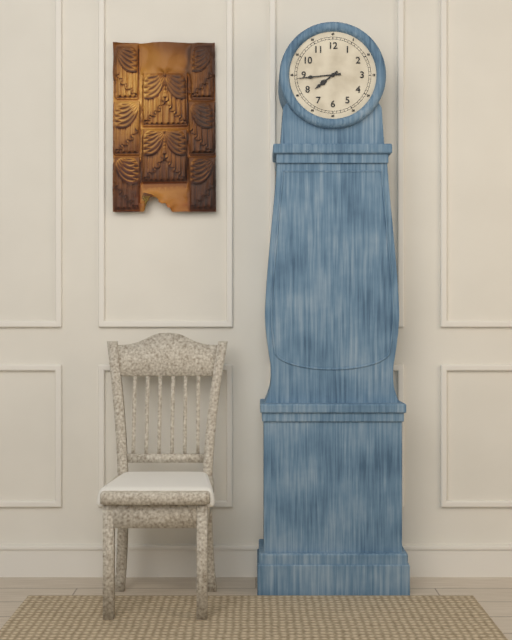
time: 7:44
